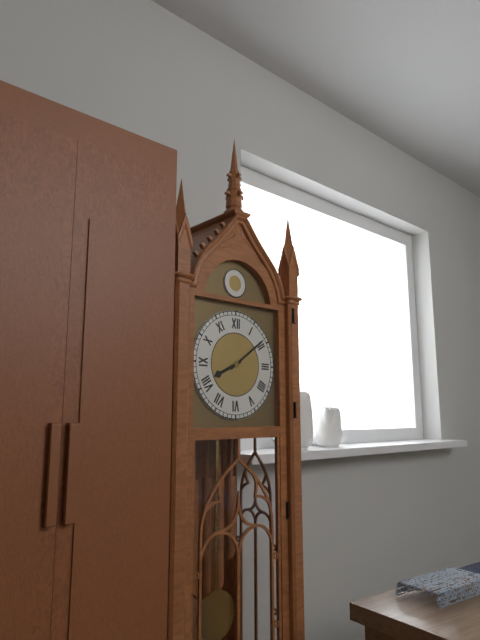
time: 8:09
